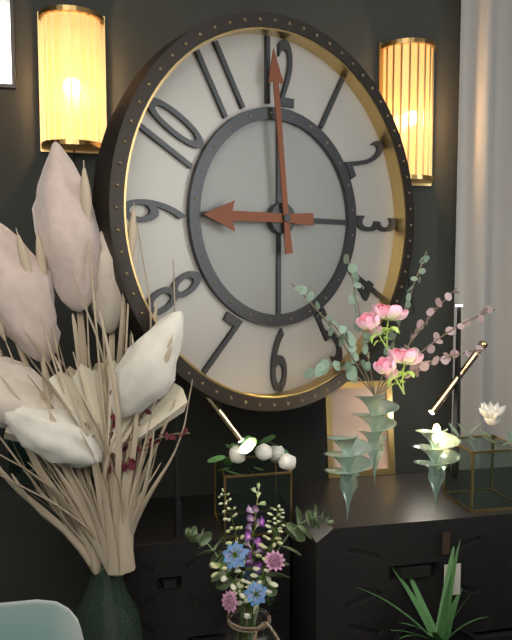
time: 8:59
